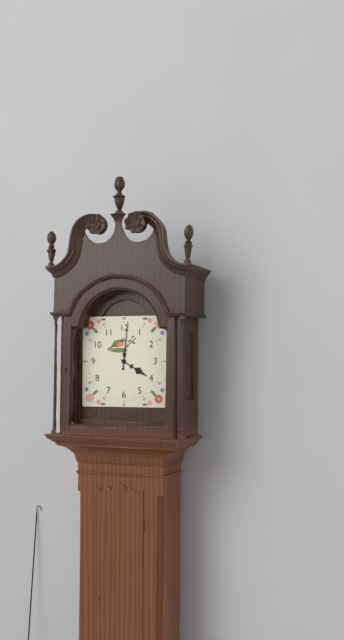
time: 4:01
